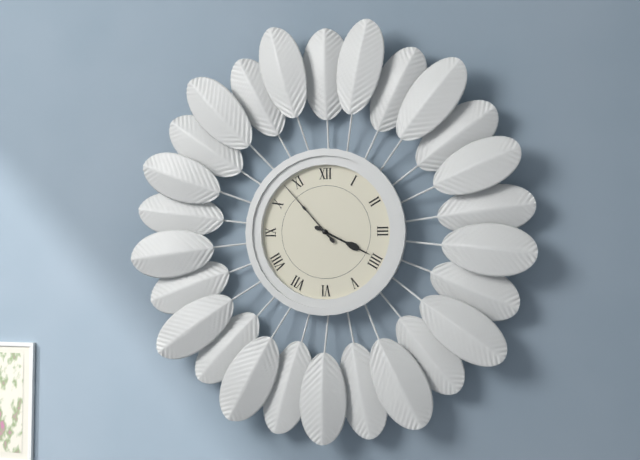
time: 3:53
